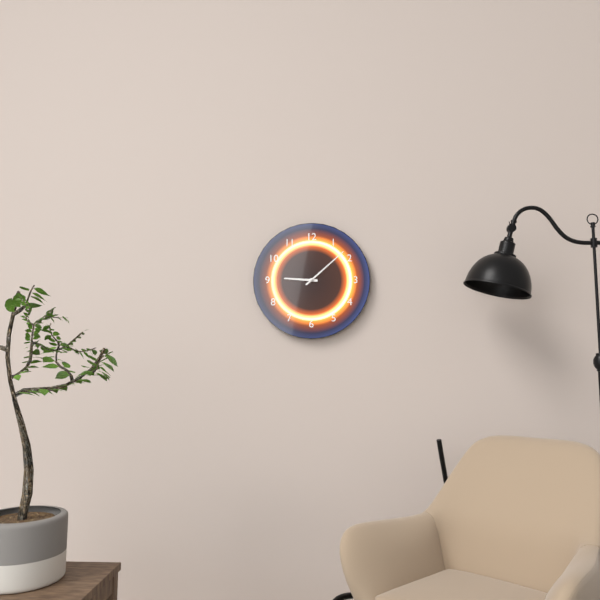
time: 9:08
